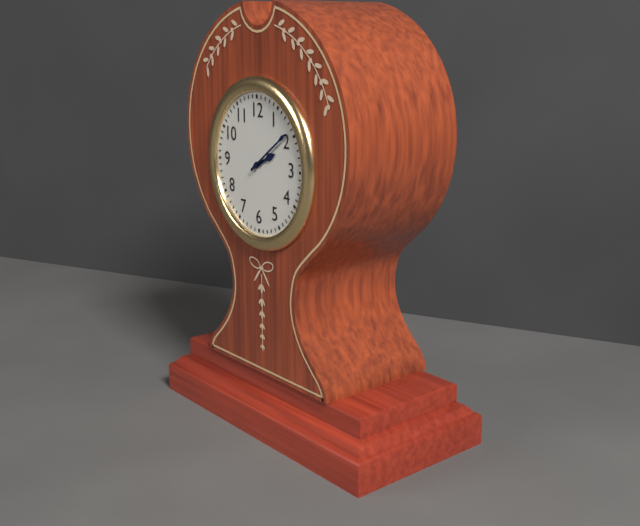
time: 2:09
